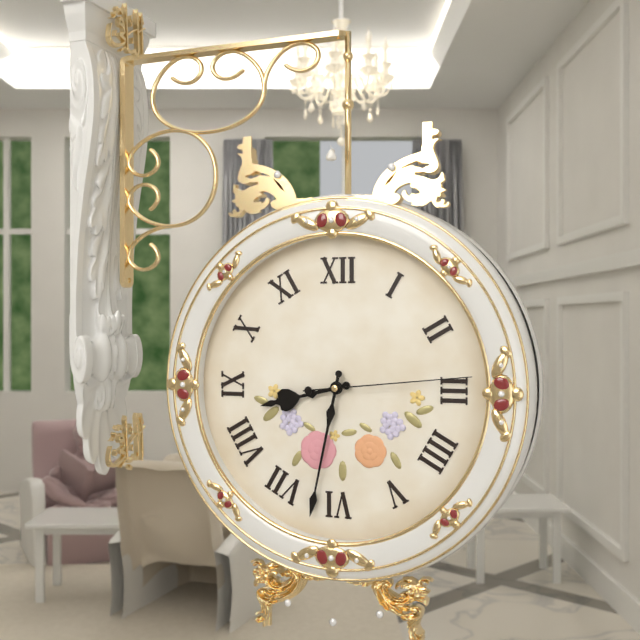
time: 8:32:14
